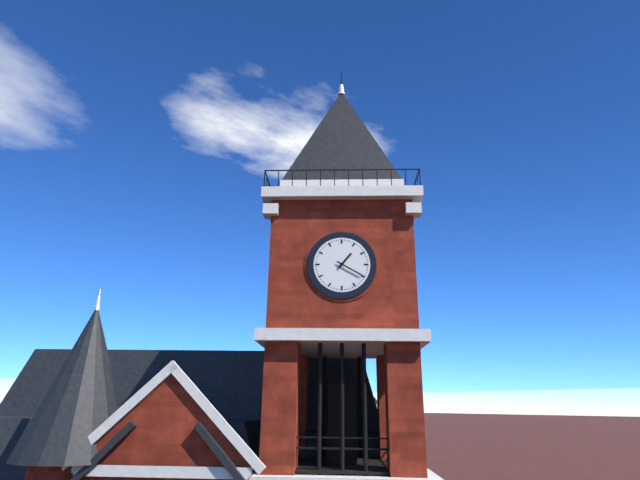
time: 1:20
